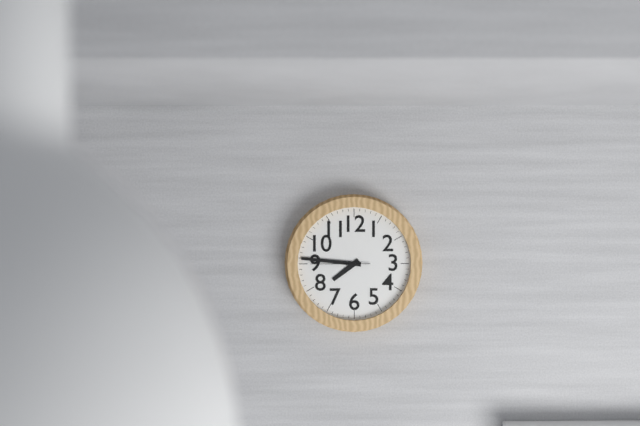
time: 7:46:45
